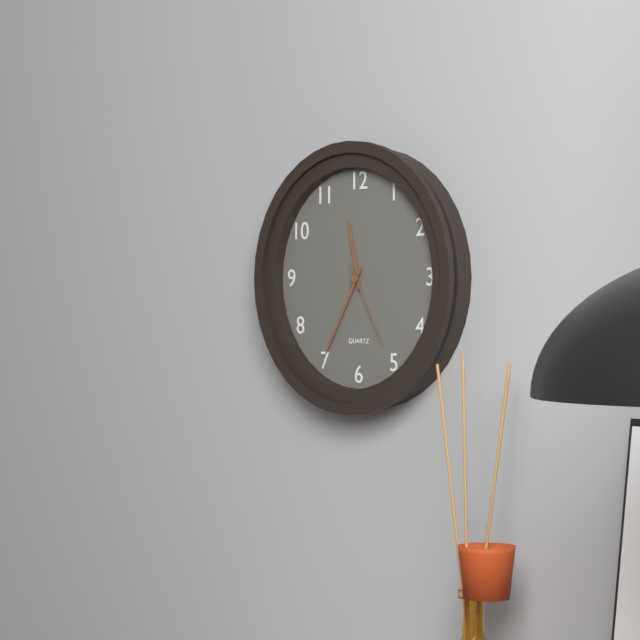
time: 11:35:25
